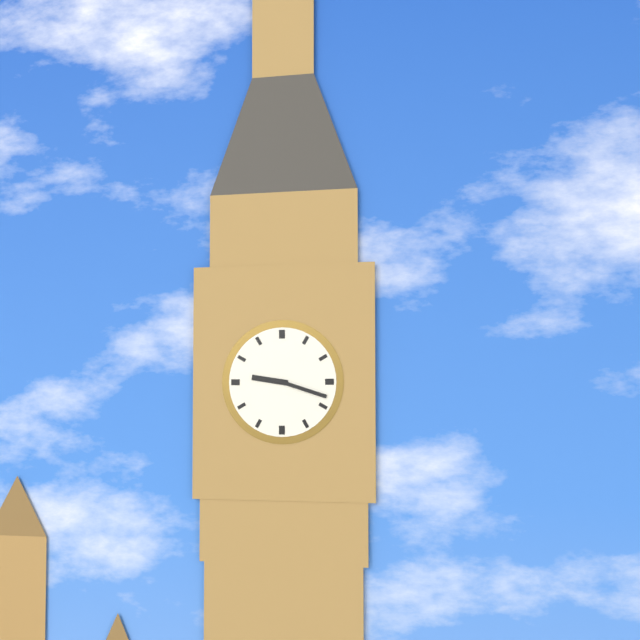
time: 9:18
